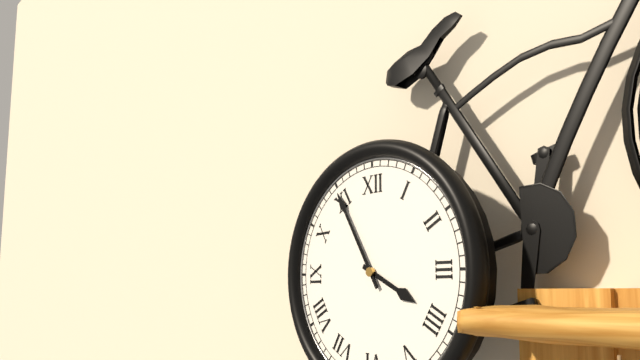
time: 3:55
